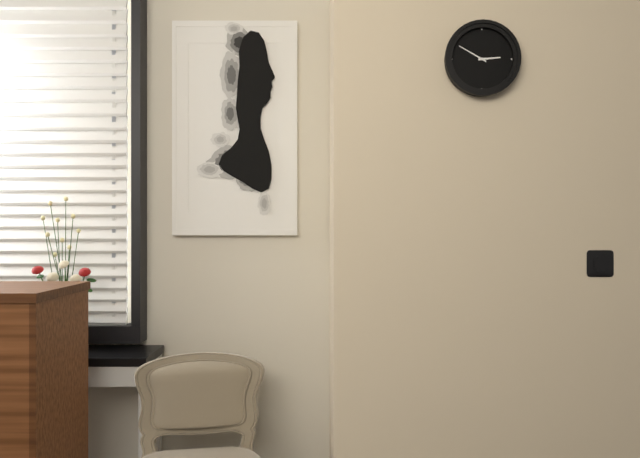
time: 2:50
